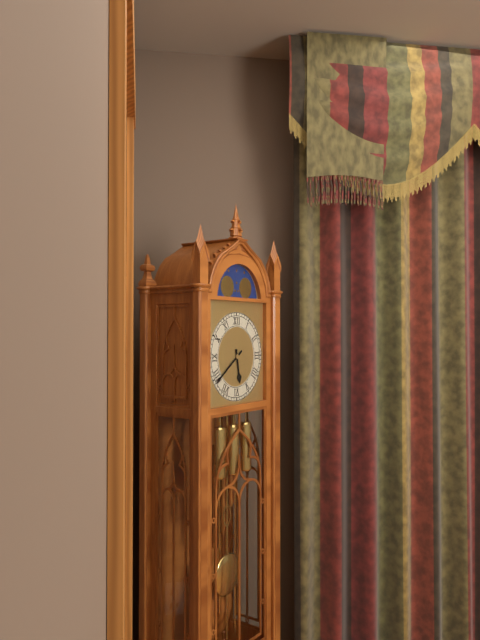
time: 5:39
